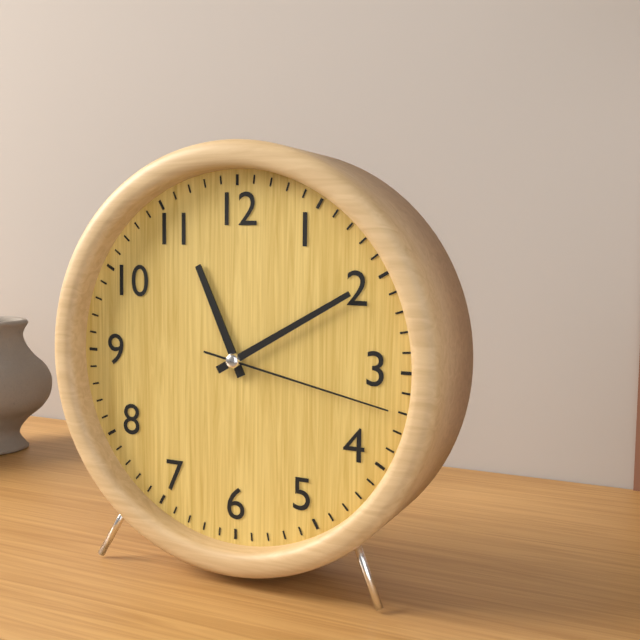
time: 11:10:17
